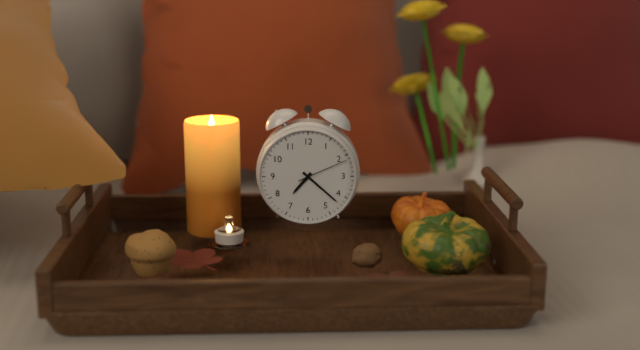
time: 7:22:11
